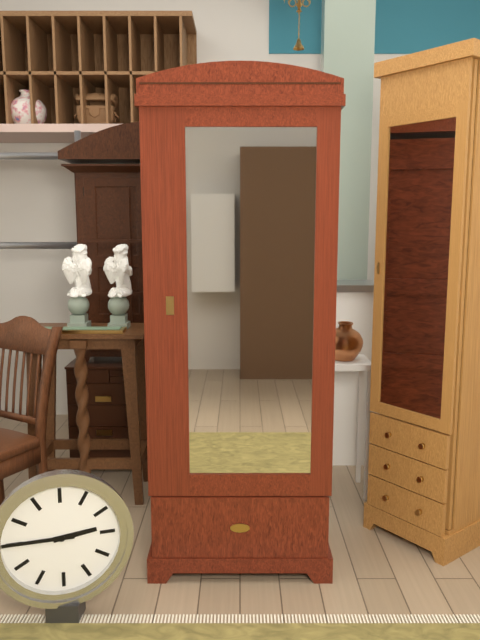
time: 2:45
